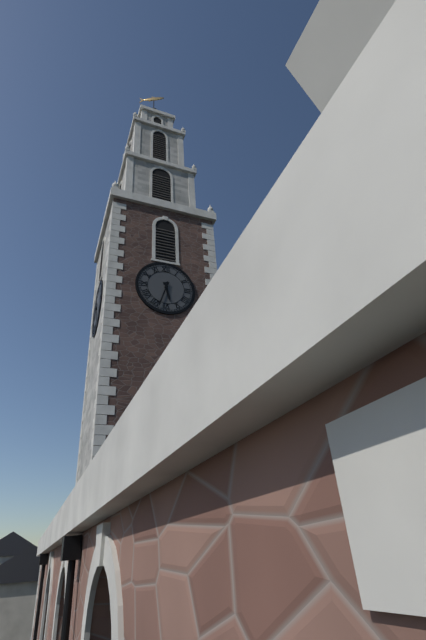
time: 5:33
